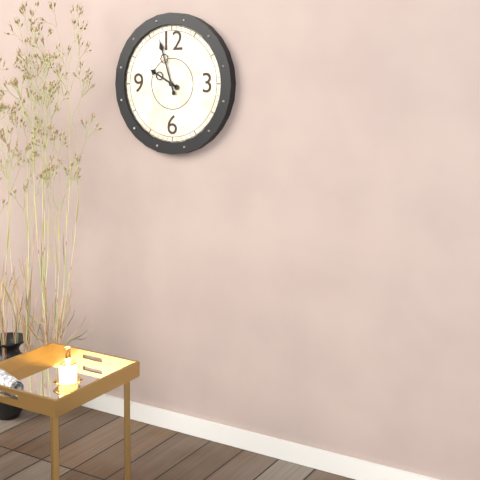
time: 9:57
